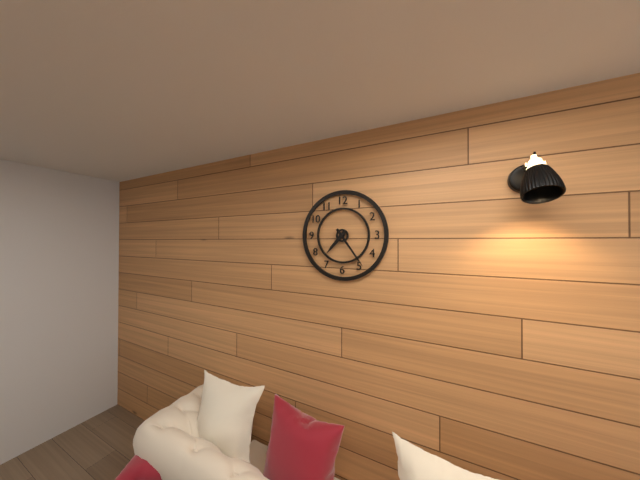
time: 7:24
